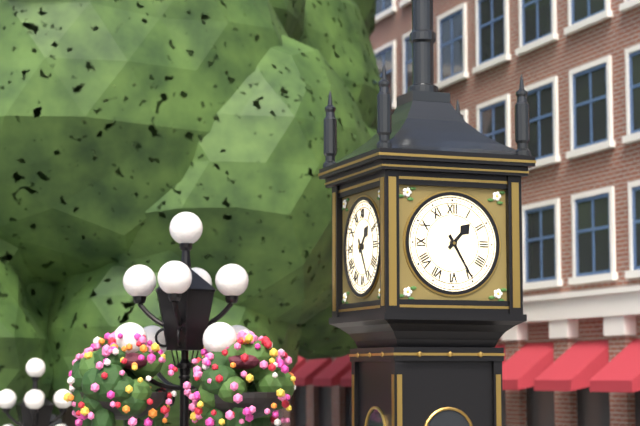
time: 1:25
